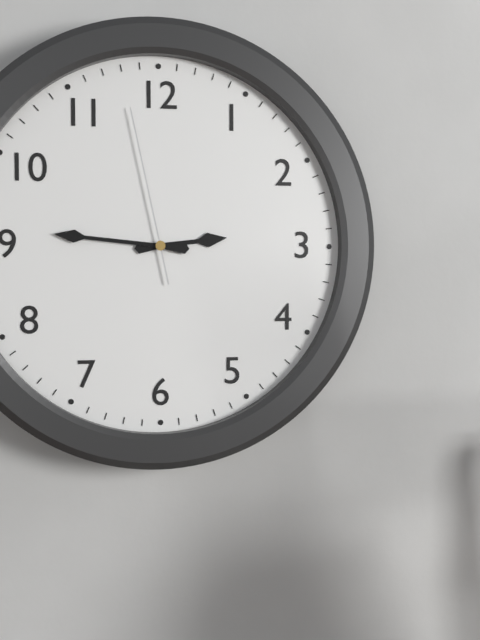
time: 2:46:58
